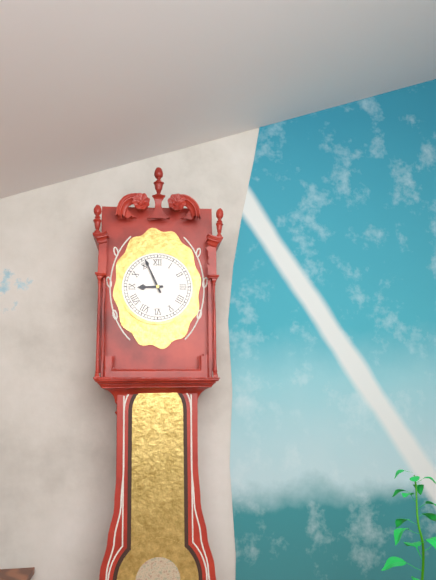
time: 8:56
